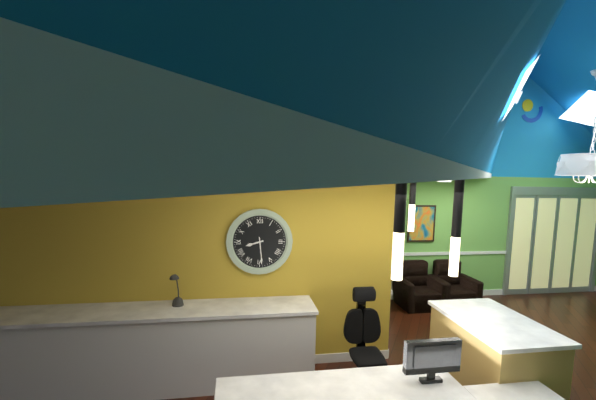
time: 8:29
